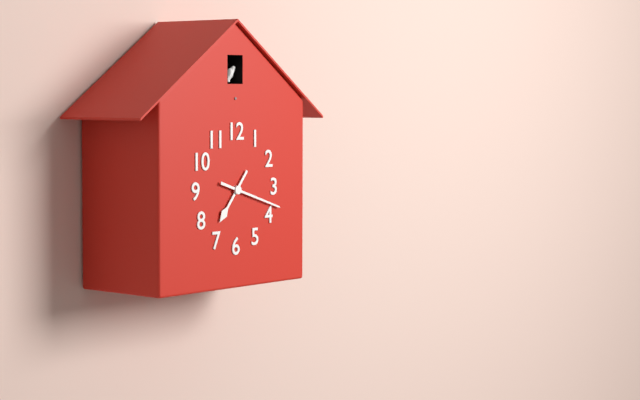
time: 7:18
